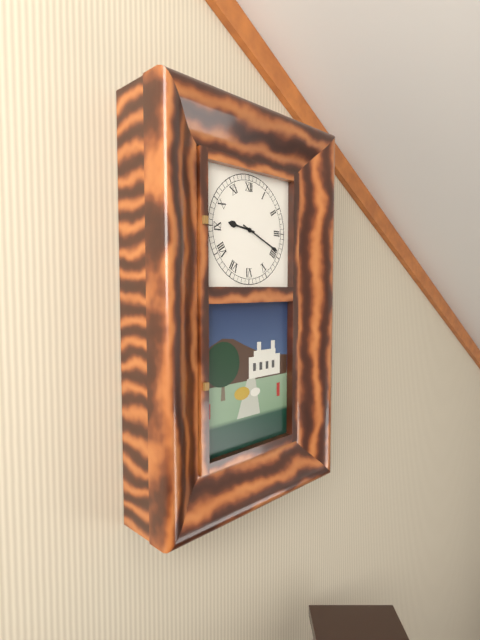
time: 9:19
